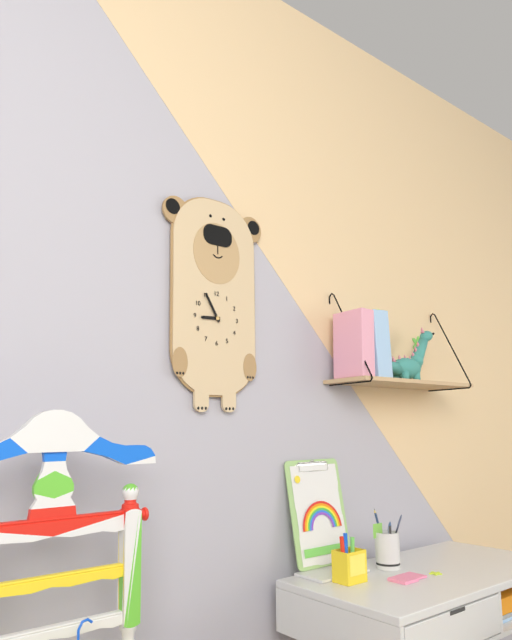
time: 8:55
